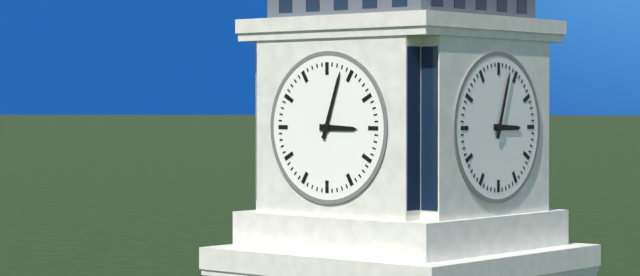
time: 3:03
